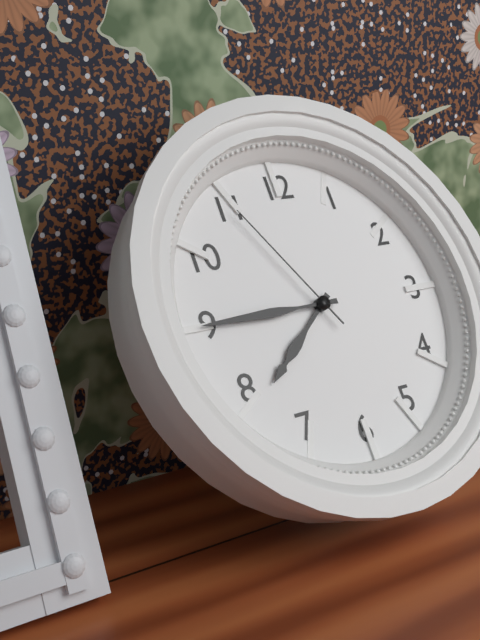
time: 7:45:55
